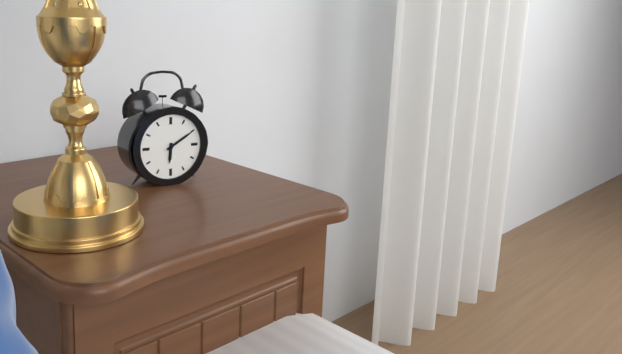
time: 6:10
